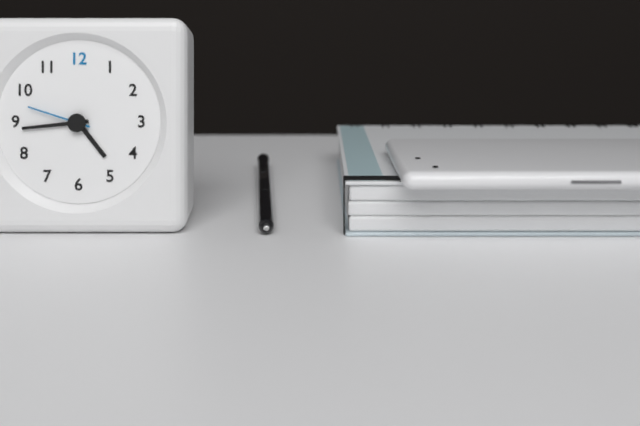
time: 4:44:48
